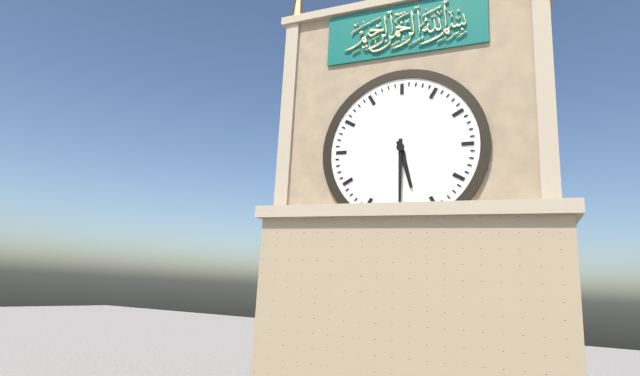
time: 5:30
